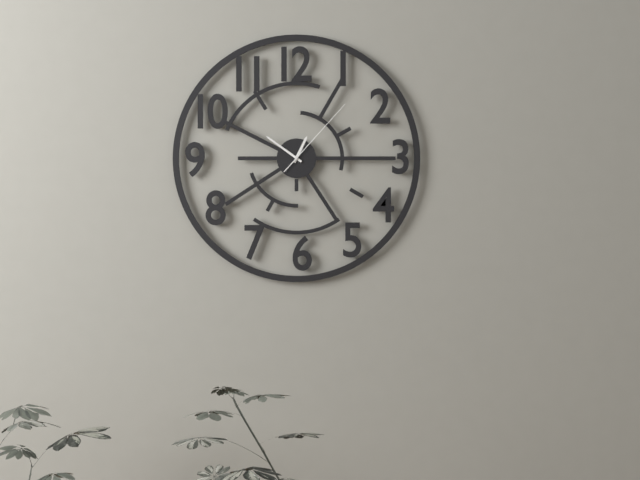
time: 12:51:07
